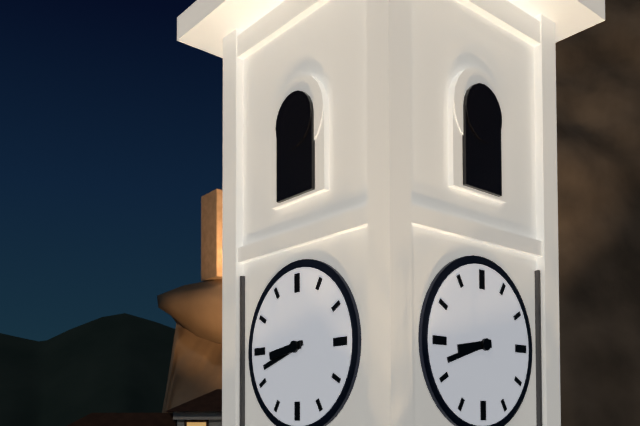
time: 8:42
